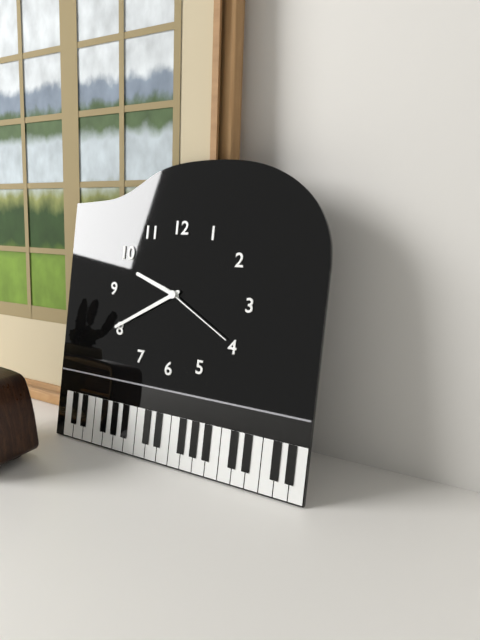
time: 9:40:20
